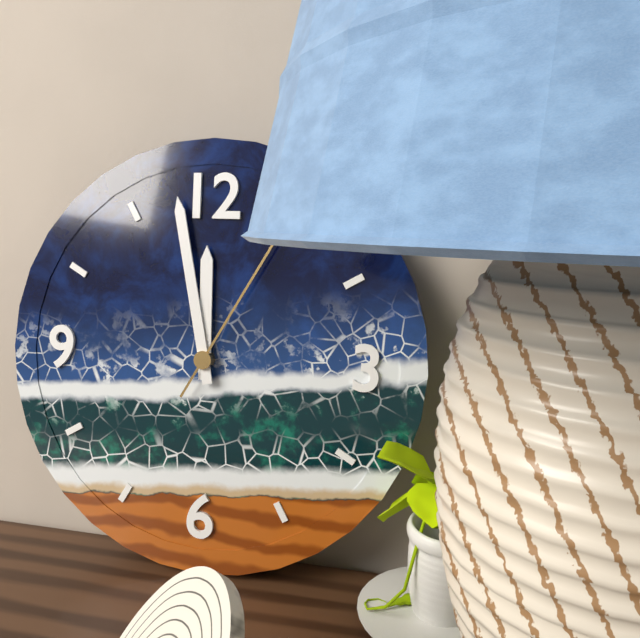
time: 11:58:05
